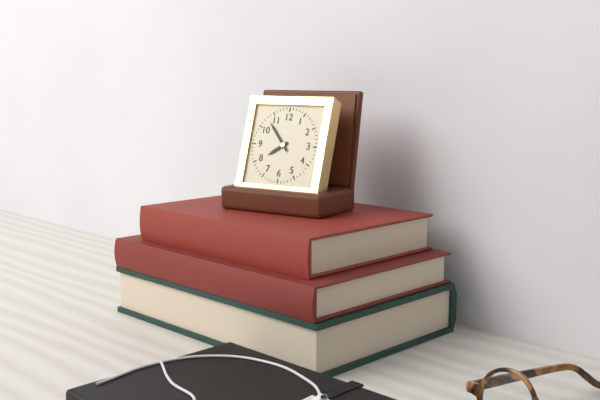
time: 7:53
